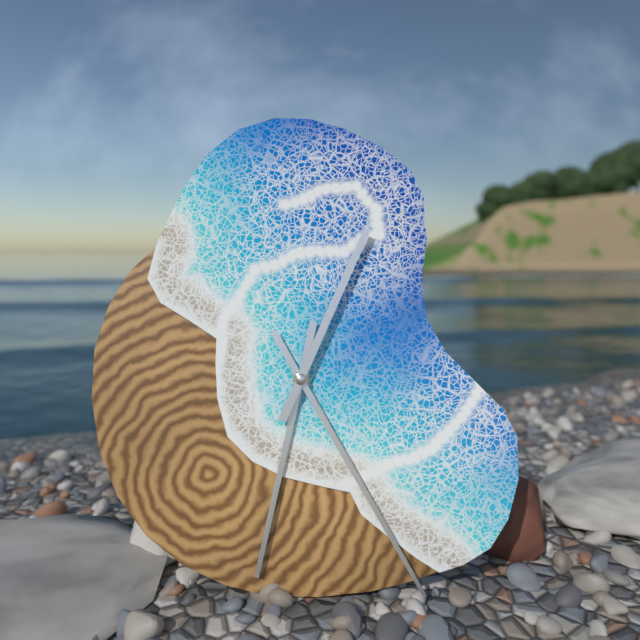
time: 6:25:04
